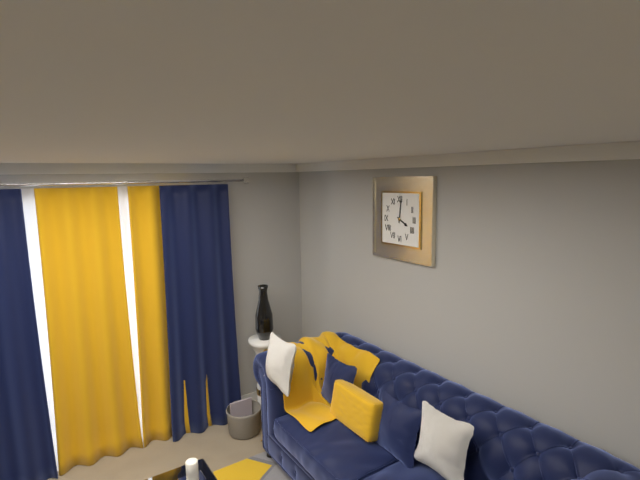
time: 4:01
